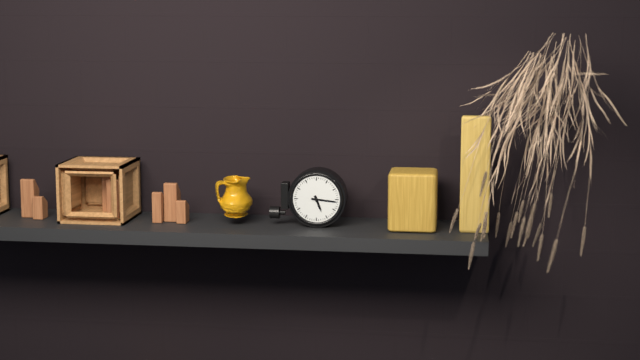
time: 5:16
